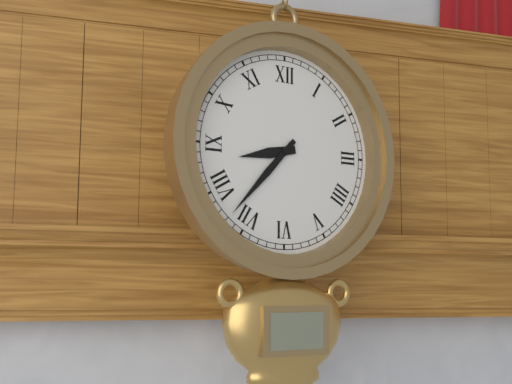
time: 8:37
